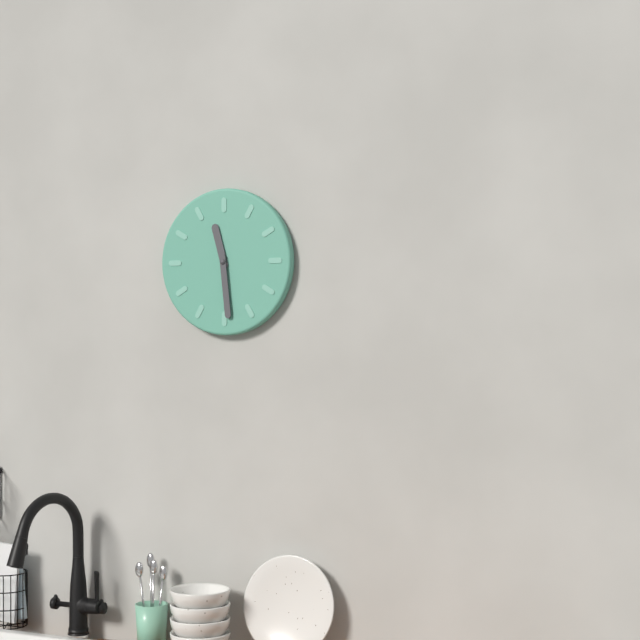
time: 11:29
